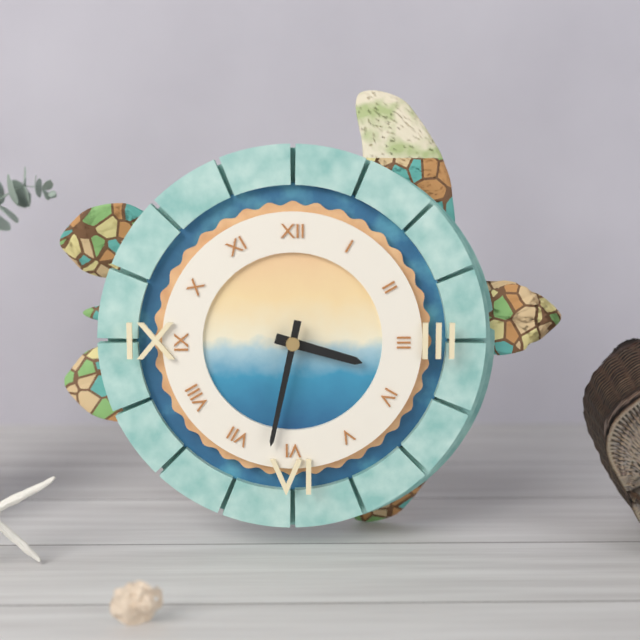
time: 3:32
